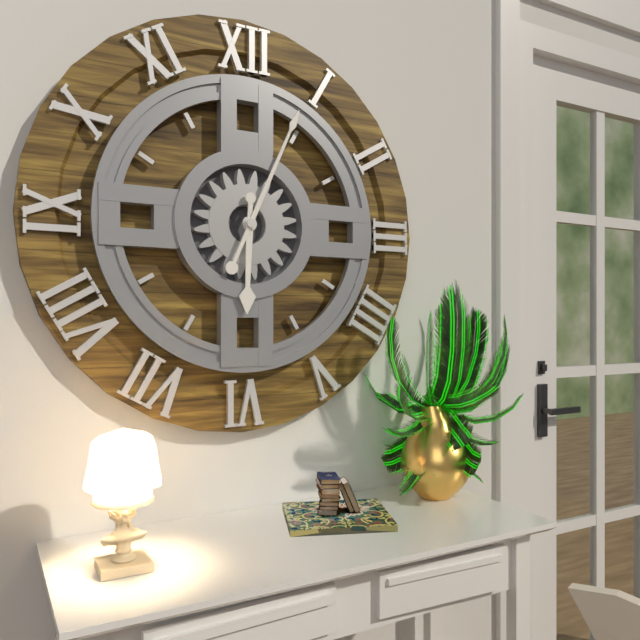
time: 6:04
